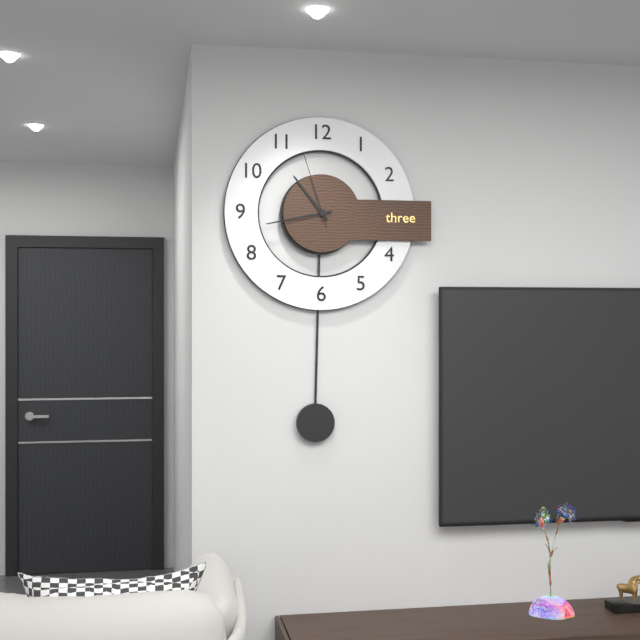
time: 10:43:57
